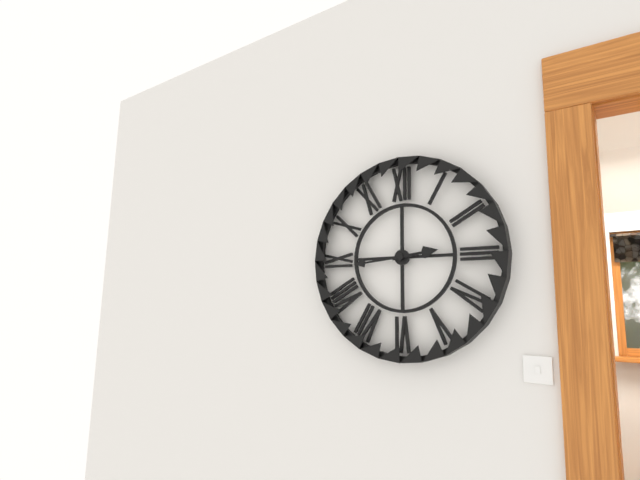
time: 2:44
